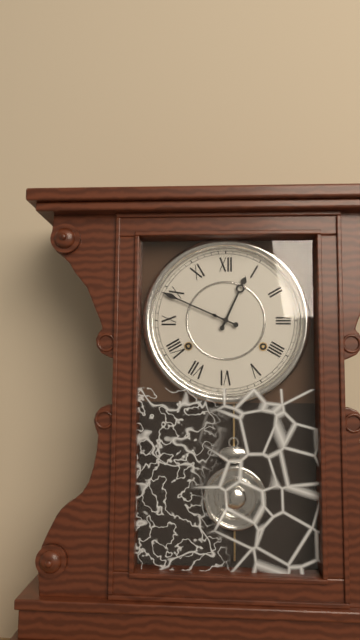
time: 12:49
